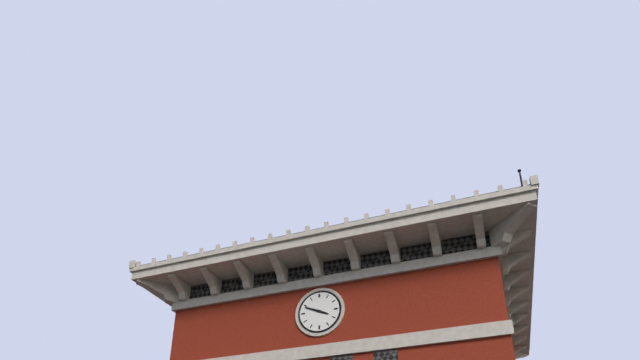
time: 3:49
